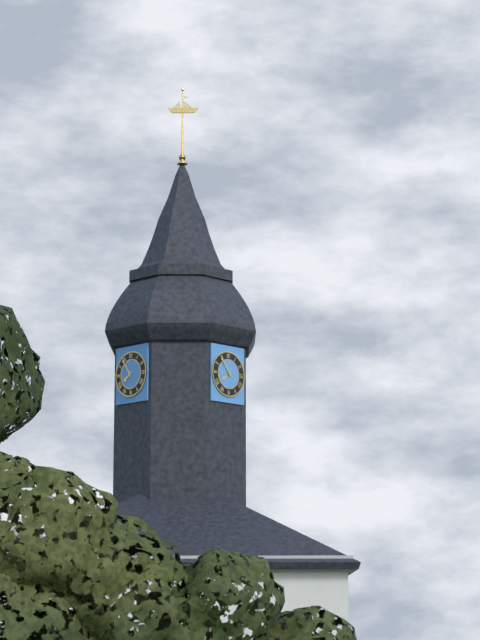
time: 7:54
